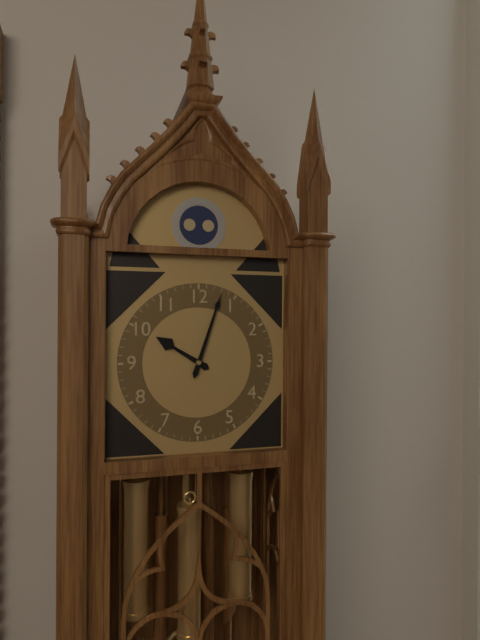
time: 10:03
